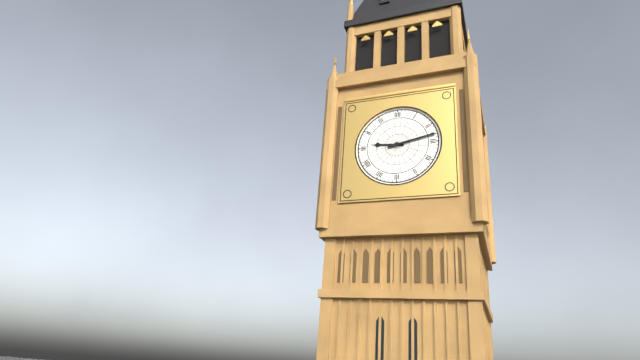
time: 9:13
